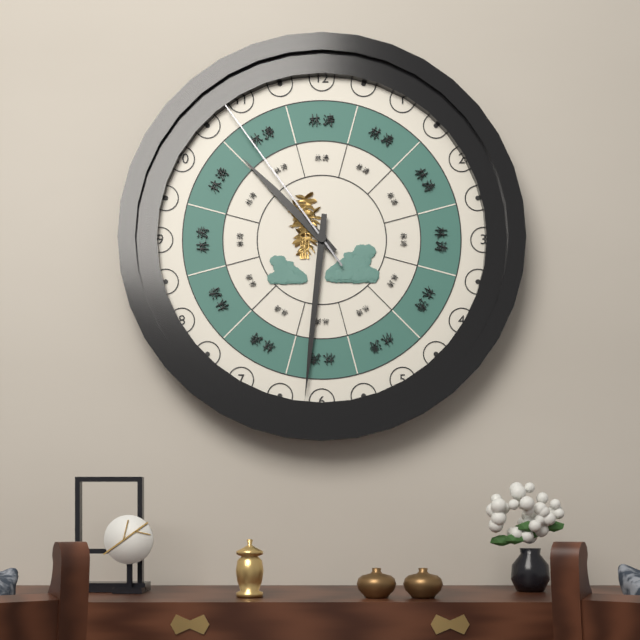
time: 10:31:54
